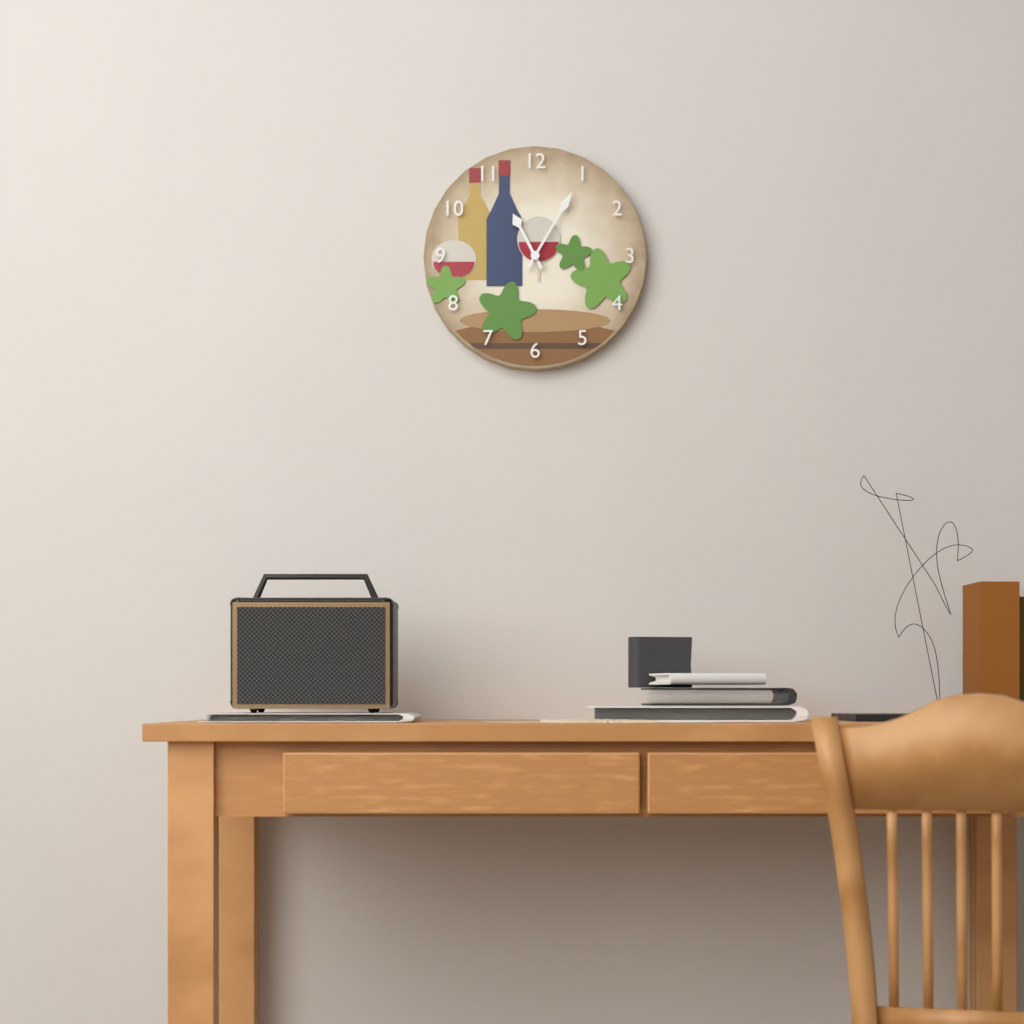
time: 11:05
